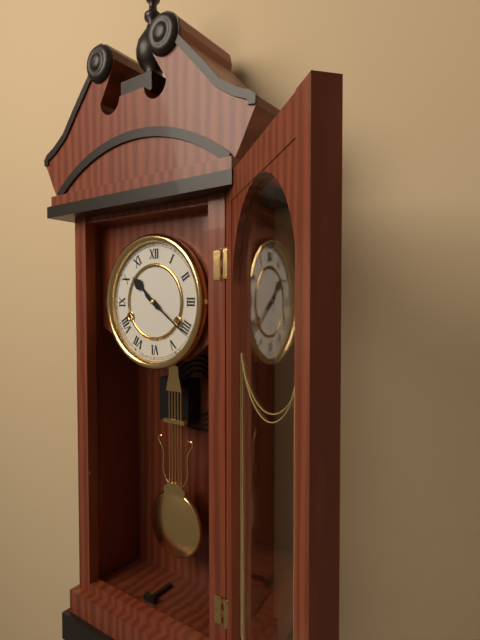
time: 10:21
